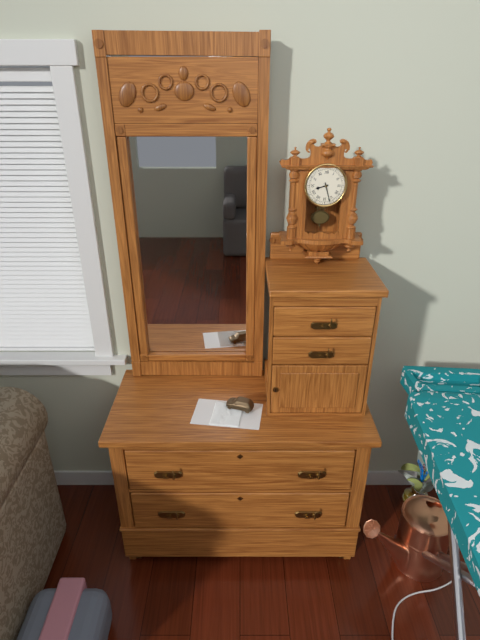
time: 8:27
